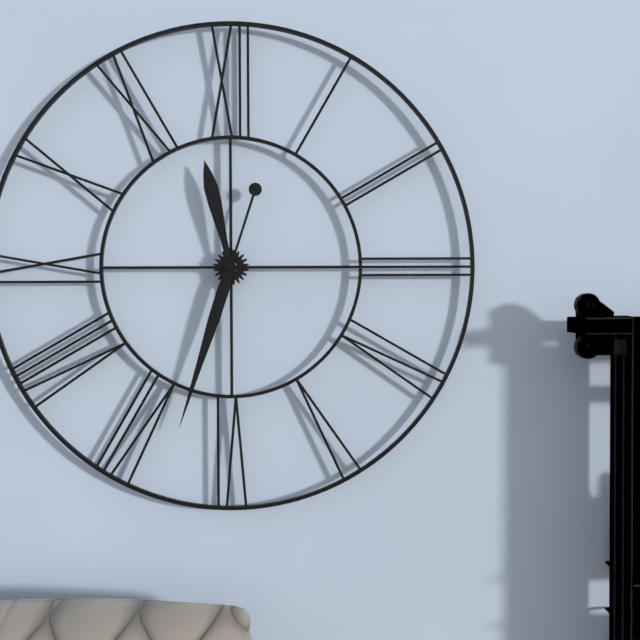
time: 11:33
